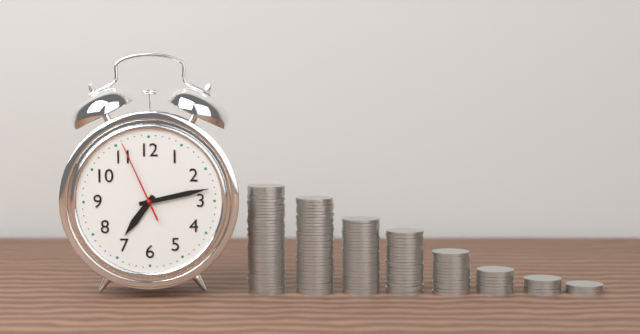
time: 7:13:56
